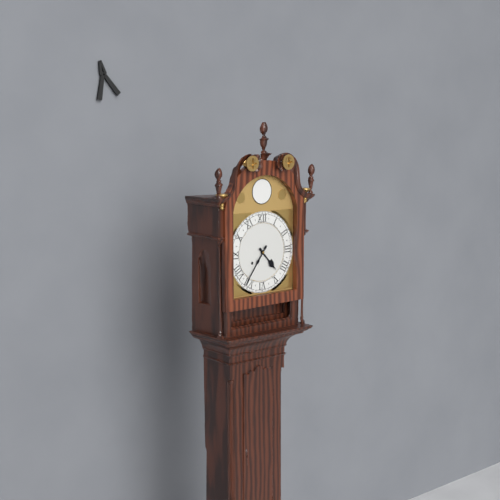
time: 4:36
